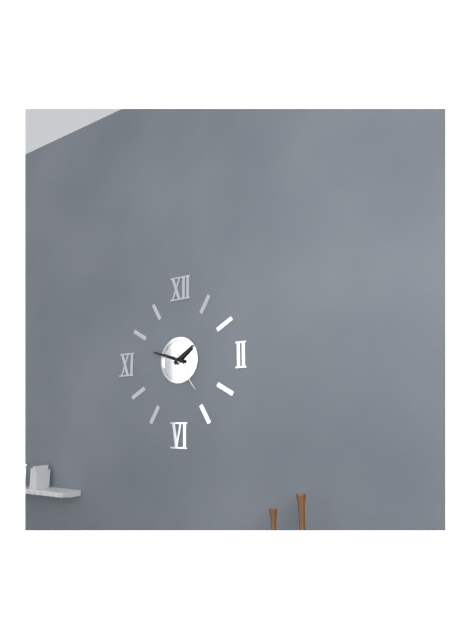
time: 1:48
